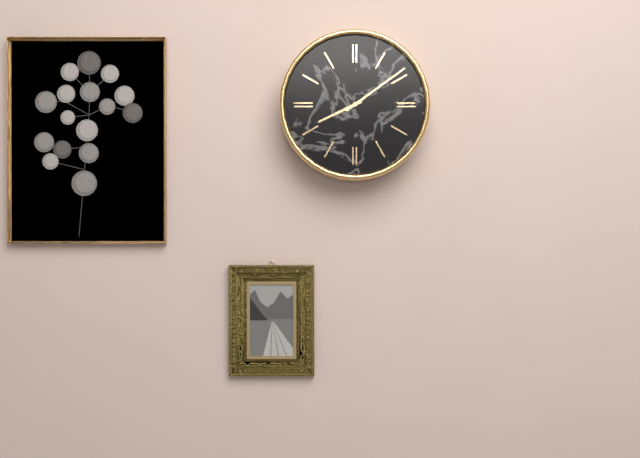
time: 8:09
